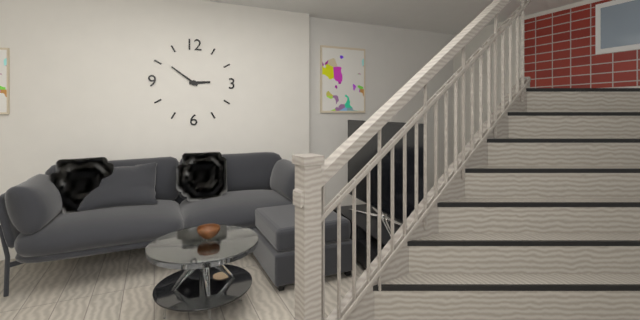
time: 2:51
